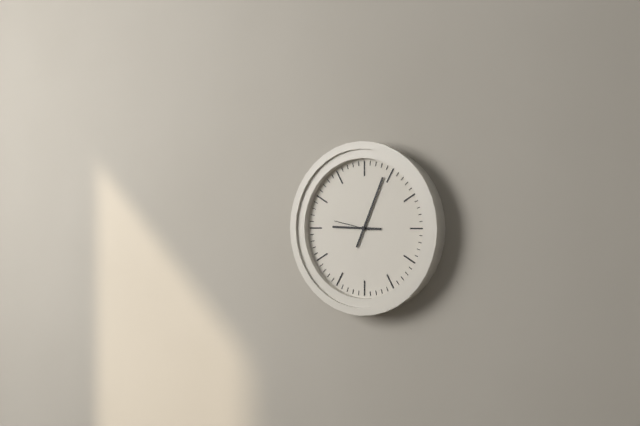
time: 9:04
